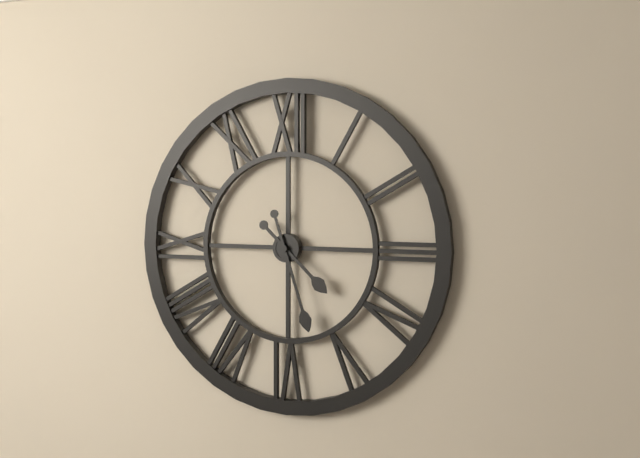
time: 4:27
